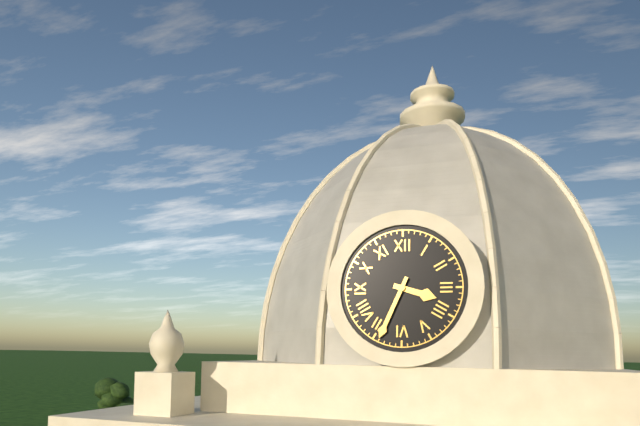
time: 3:34
